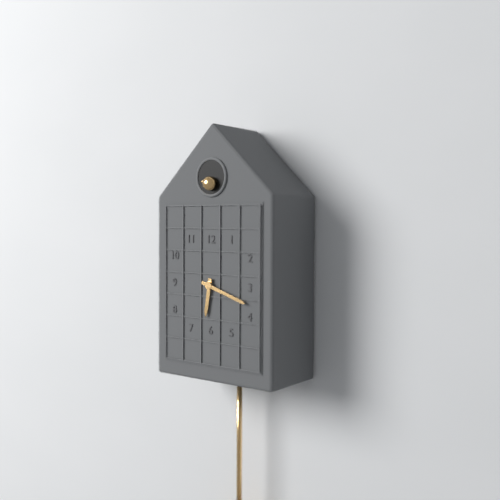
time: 6:18
